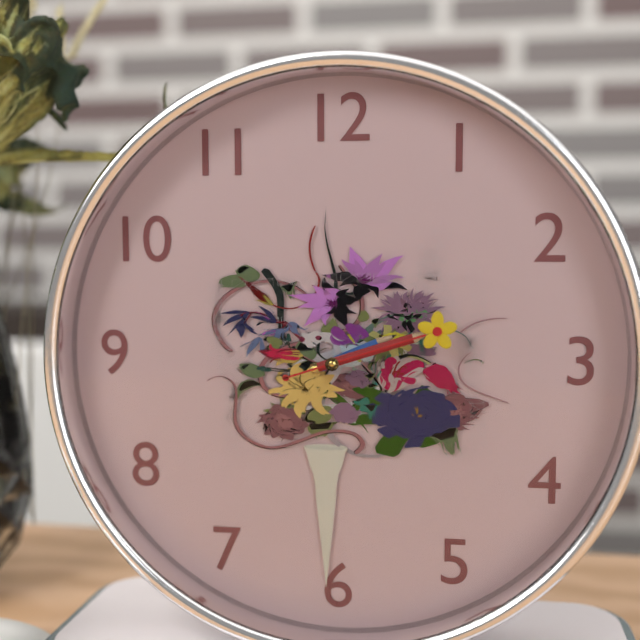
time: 2:12:12
